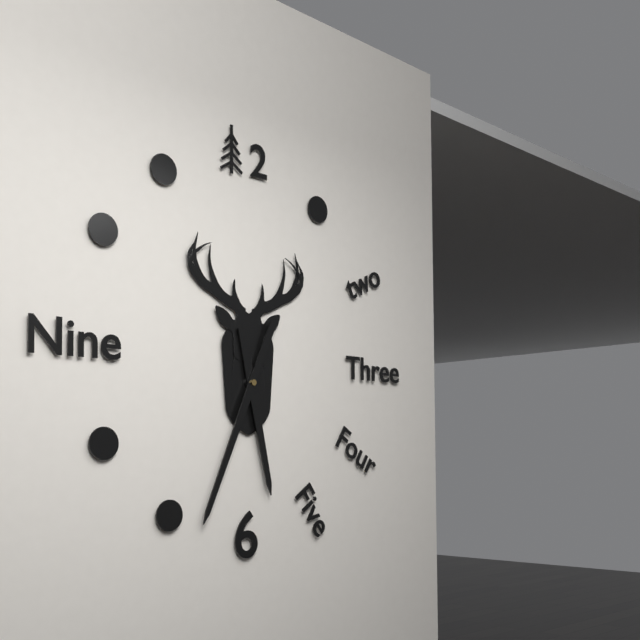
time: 5:34
